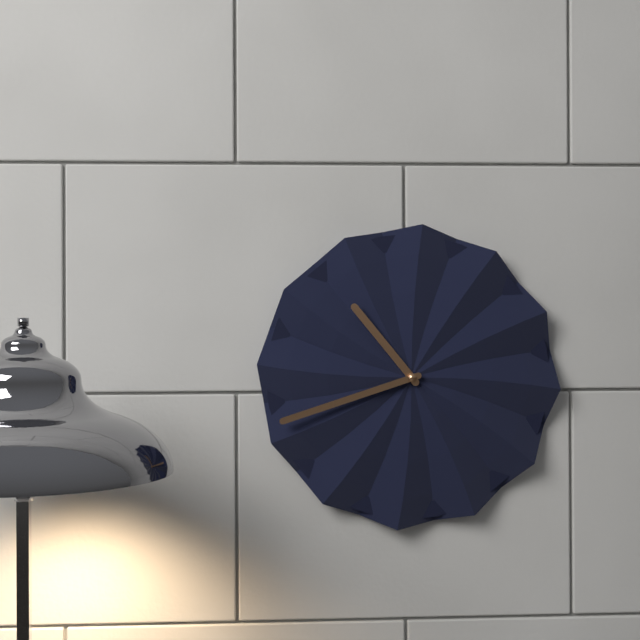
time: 10:42
